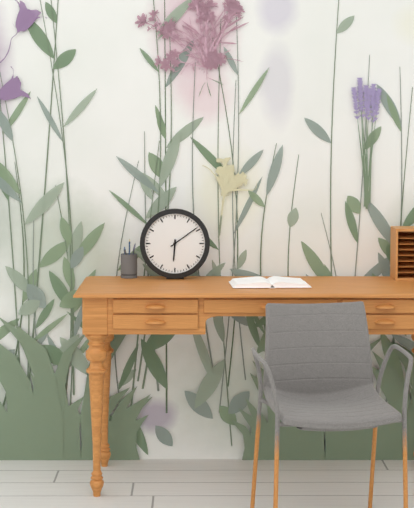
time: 6:09
